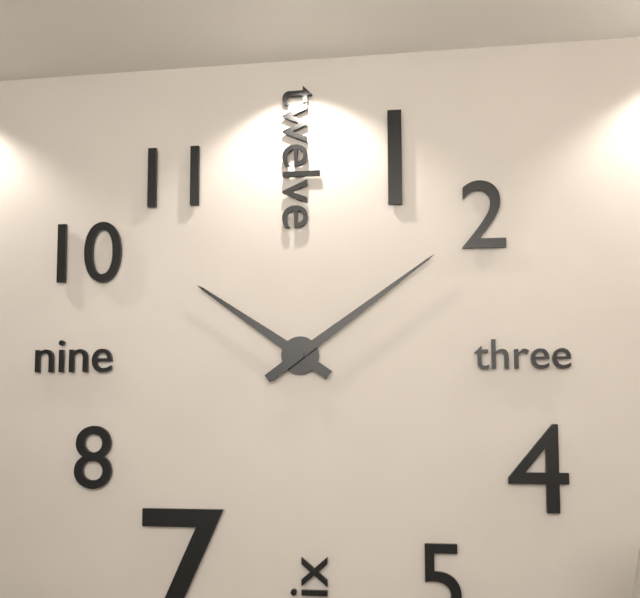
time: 10:09
